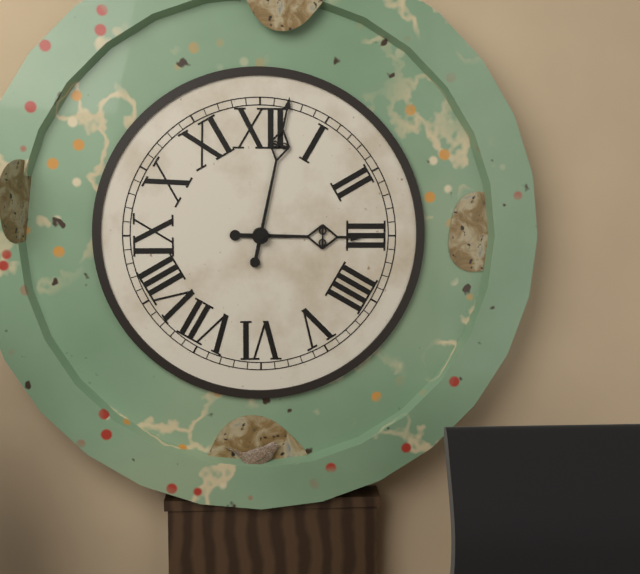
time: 3:02
